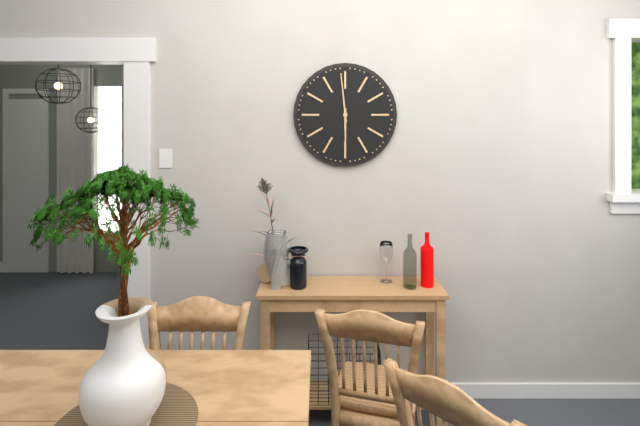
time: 5:59
